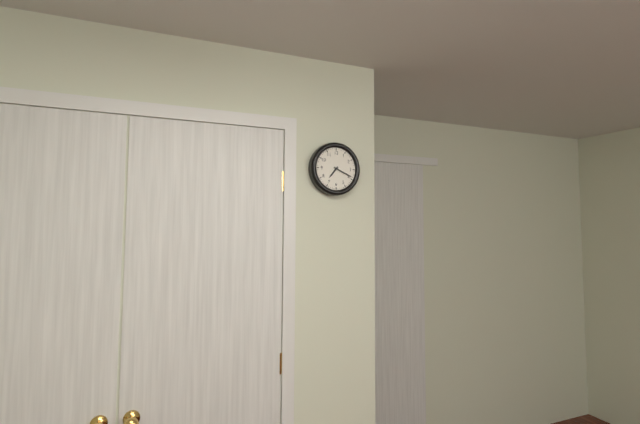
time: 7:19
